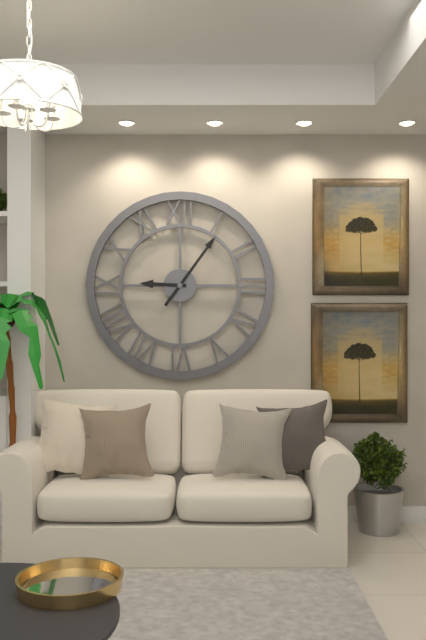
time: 9:06
